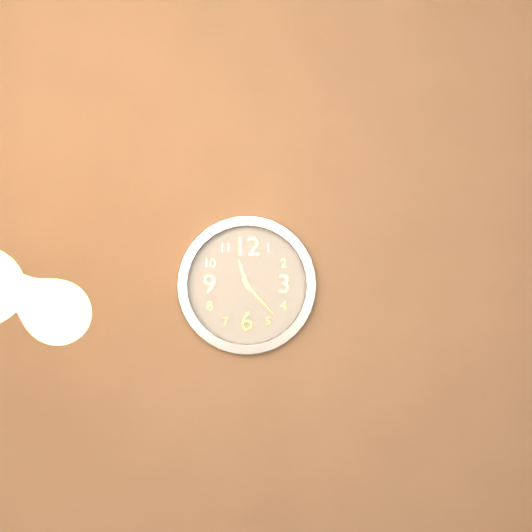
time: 11:23
